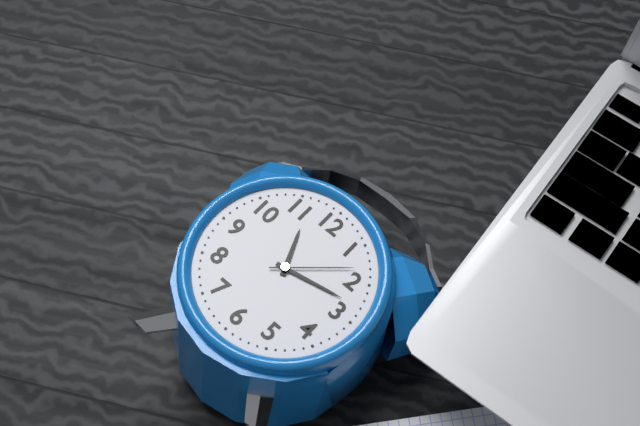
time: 11:13:08
